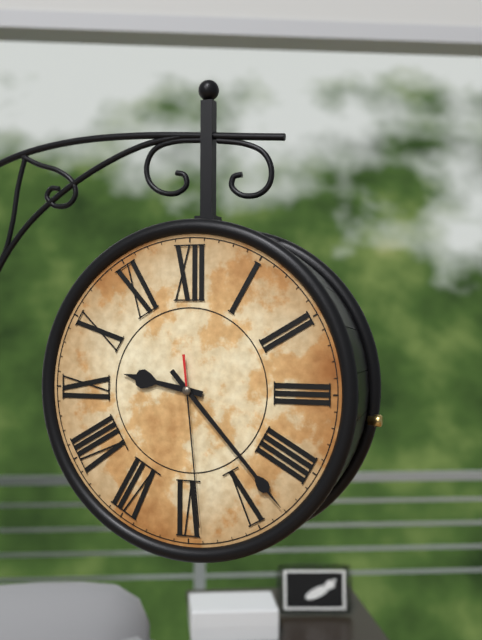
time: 9:23:29
